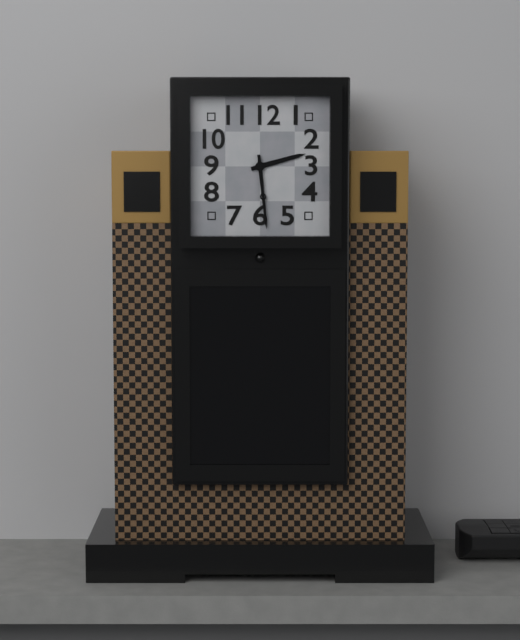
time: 2:29
